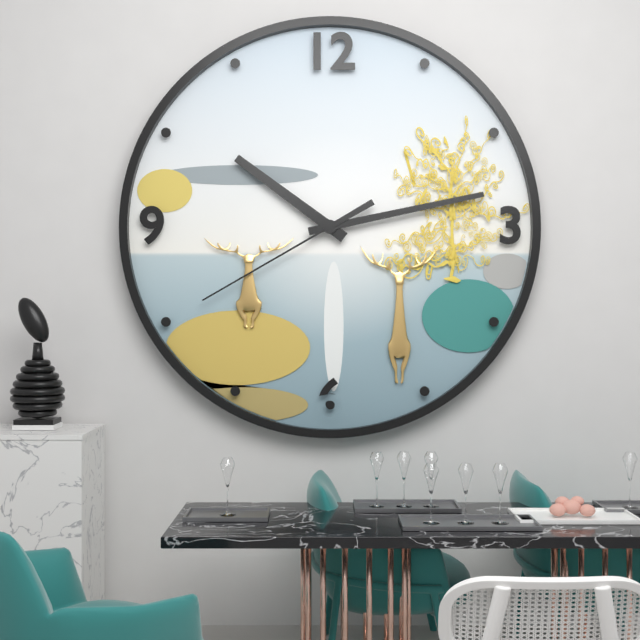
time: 10:13:40
